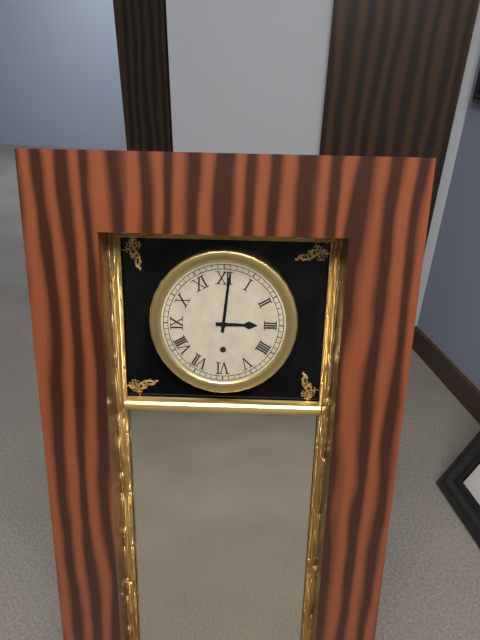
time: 3:01
